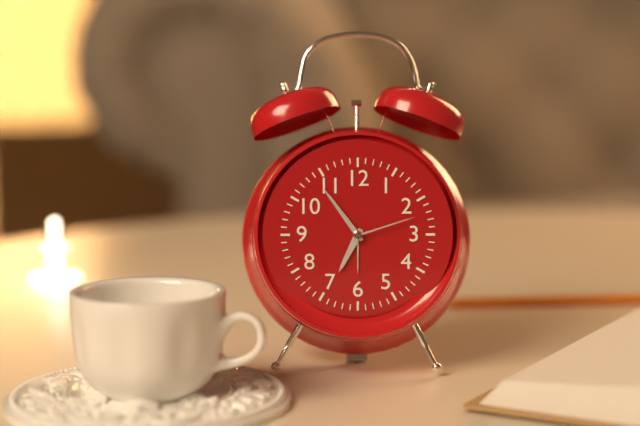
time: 6:54:12
